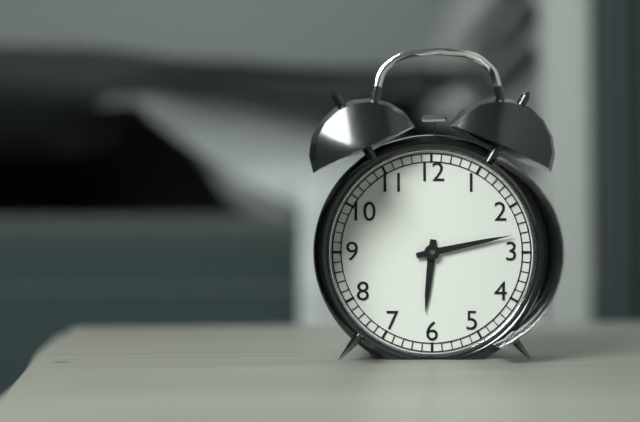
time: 6:13
